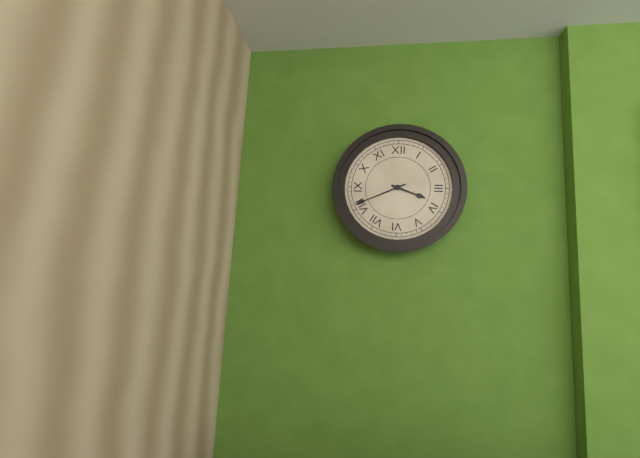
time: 3:41
